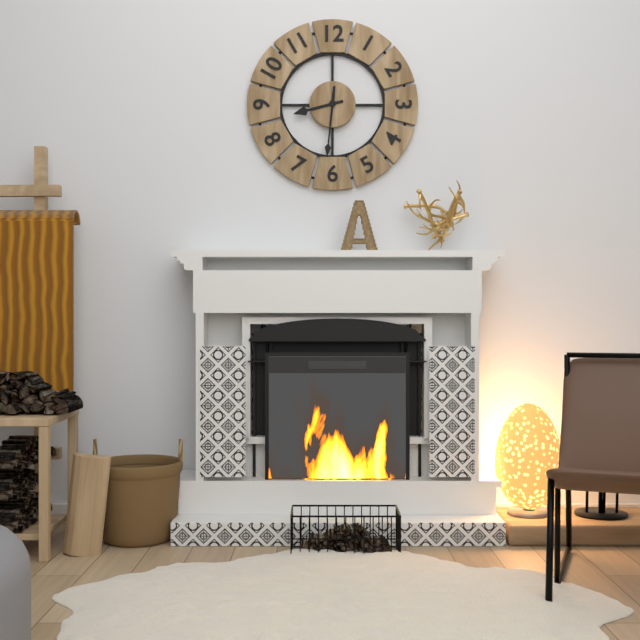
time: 8:31
